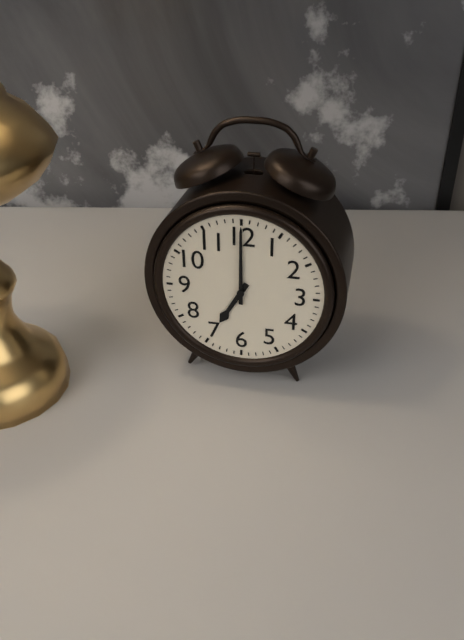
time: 7:00
